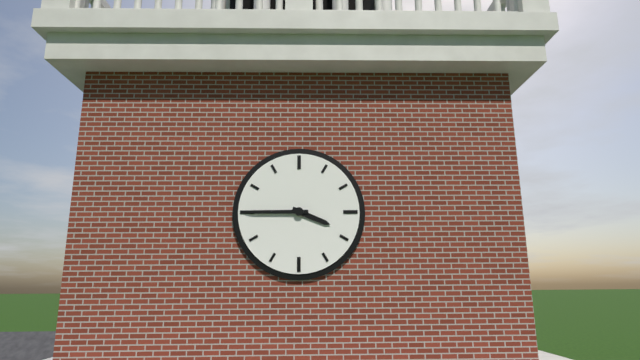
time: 3:45
